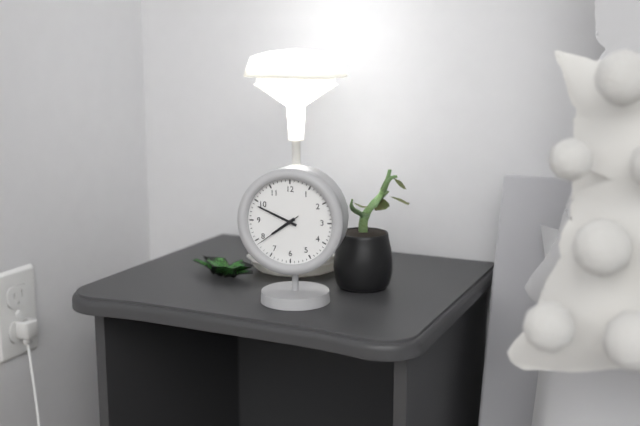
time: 7:49
